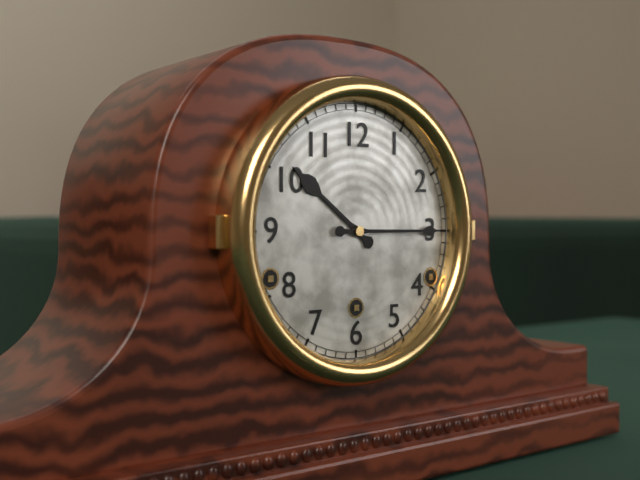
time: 10:15
